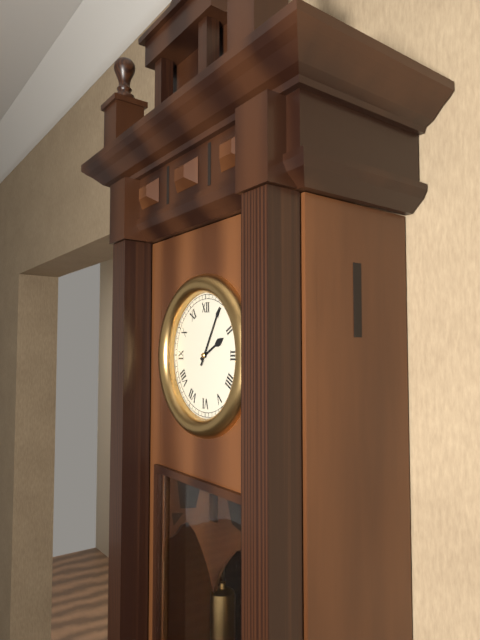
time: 2:05
